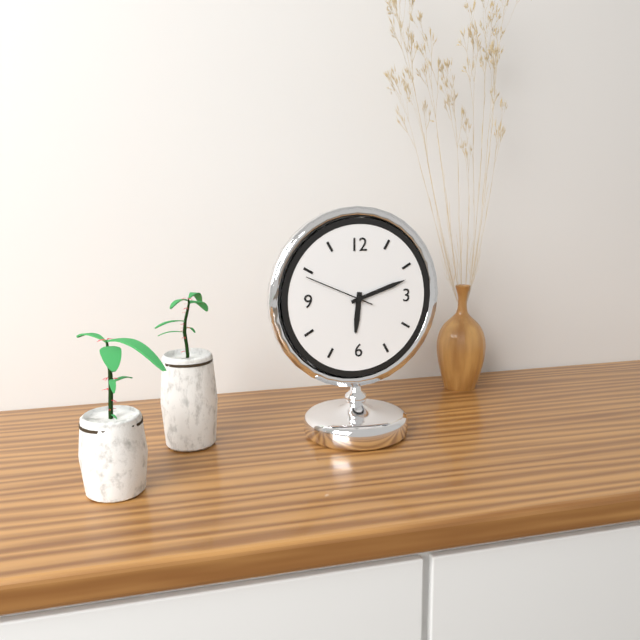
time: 6:12:49
